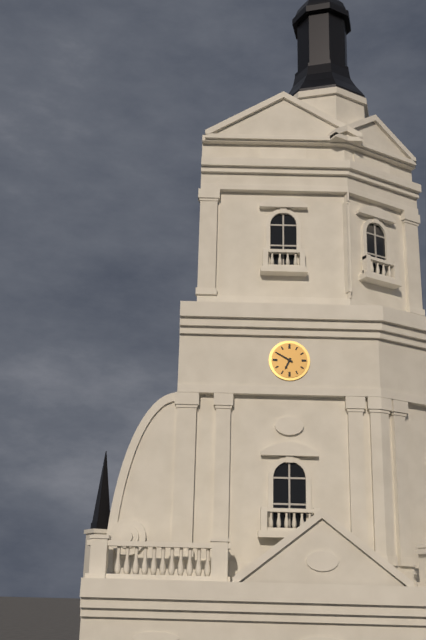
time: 6:50
